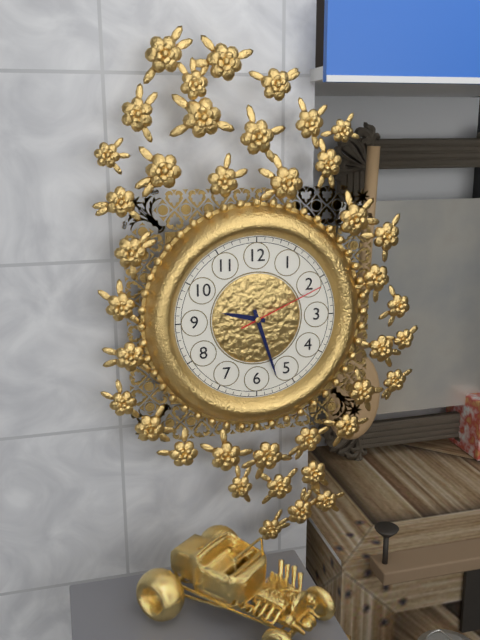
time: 9:27:11
